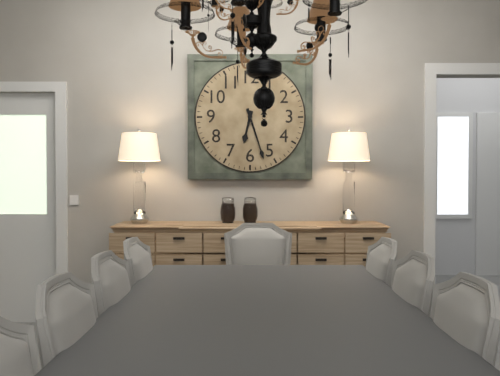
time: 6:27
